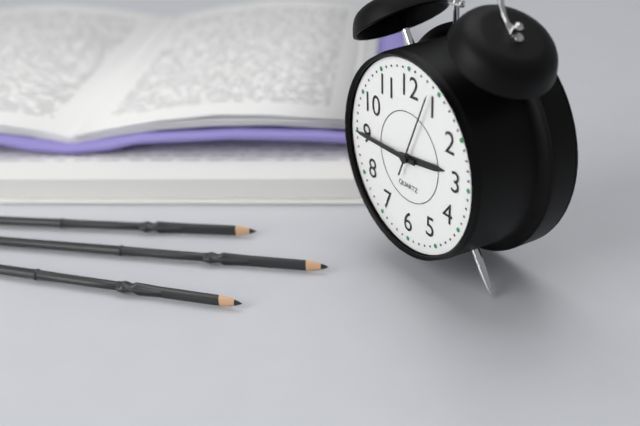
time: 2:45:04
